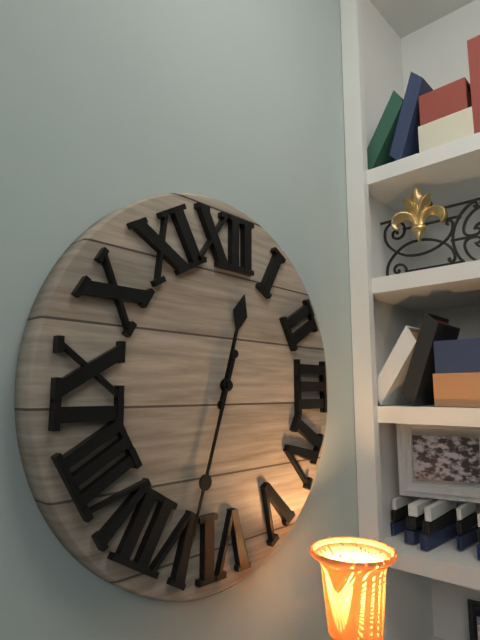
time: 12:33
